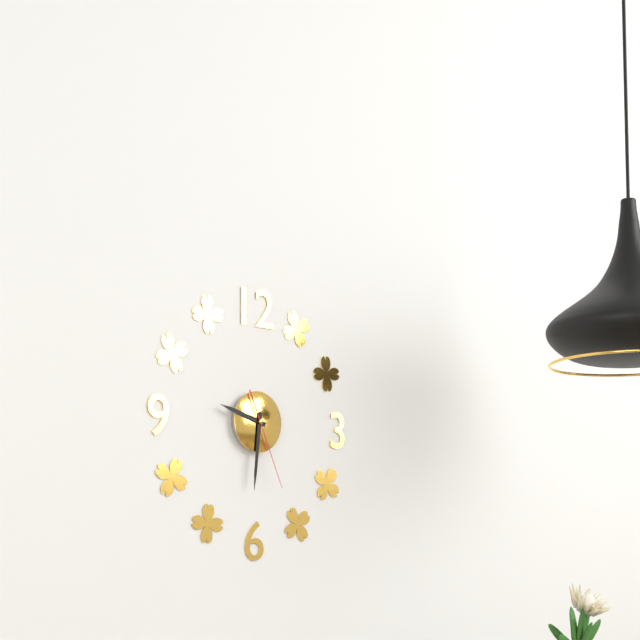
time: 9:31:26
